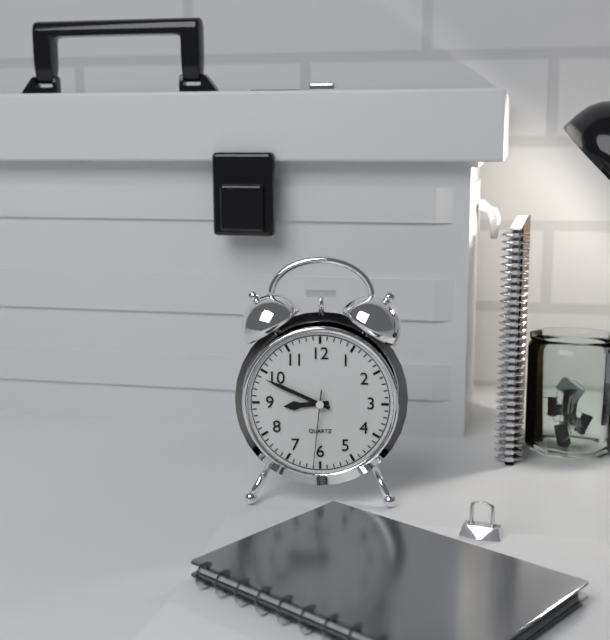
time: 8:49:31
